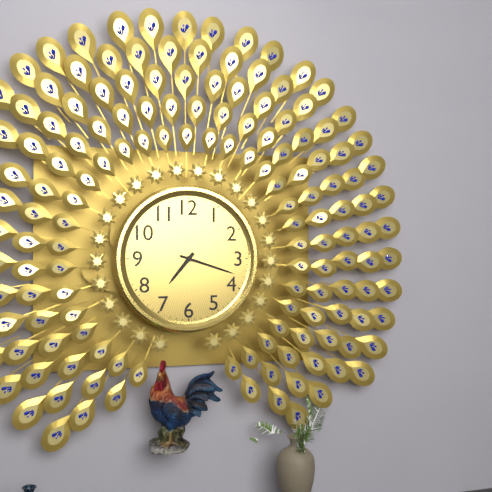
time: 7:18
